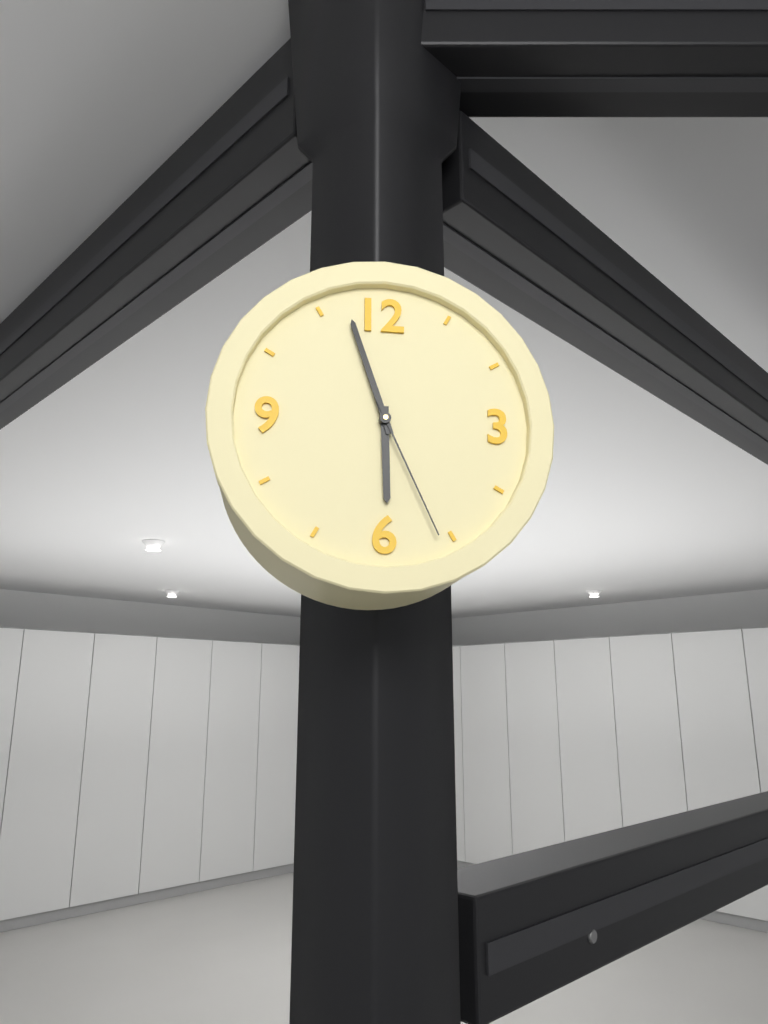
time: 5:57:26
